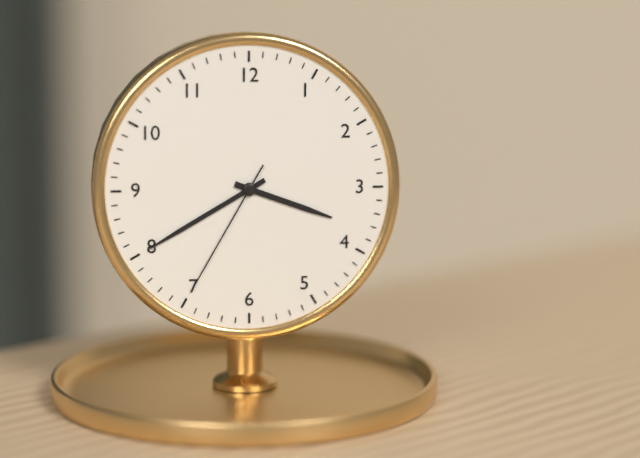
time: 3:40:35
